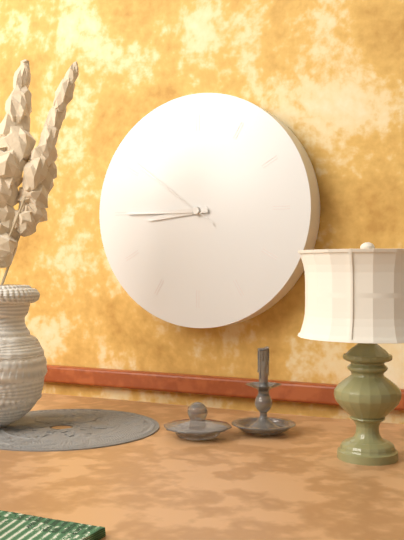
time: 8:45:51
